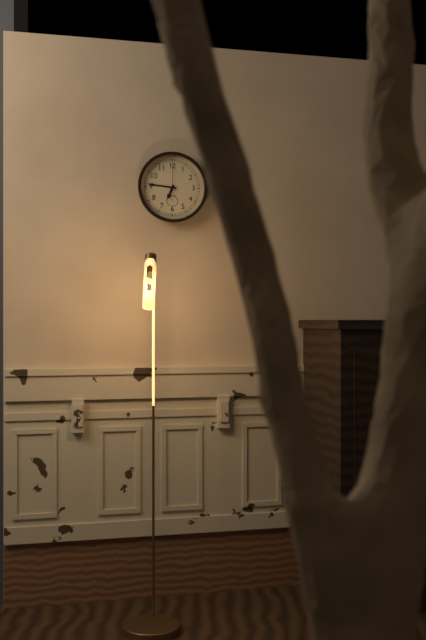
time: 6:46
